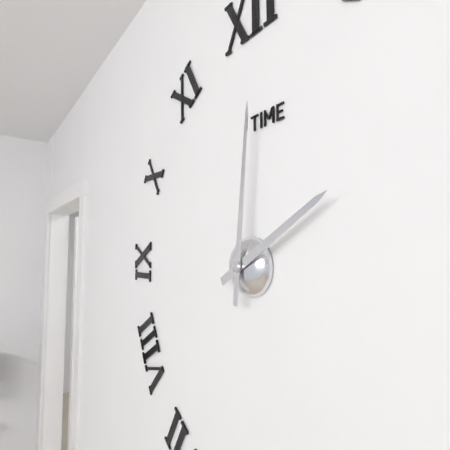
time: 2:01
